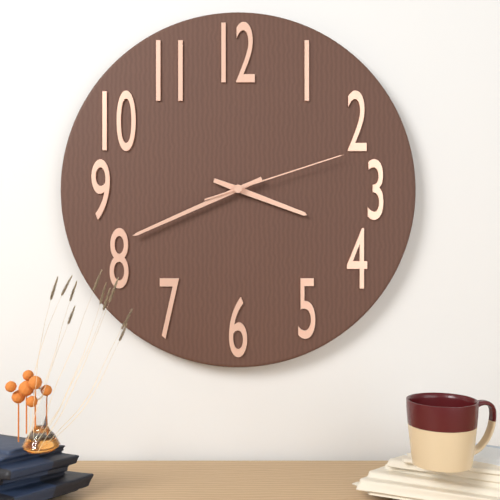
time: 3:41:12
